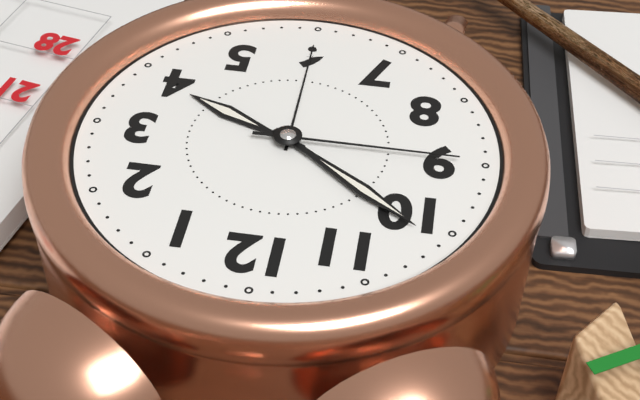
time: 3:51:45
